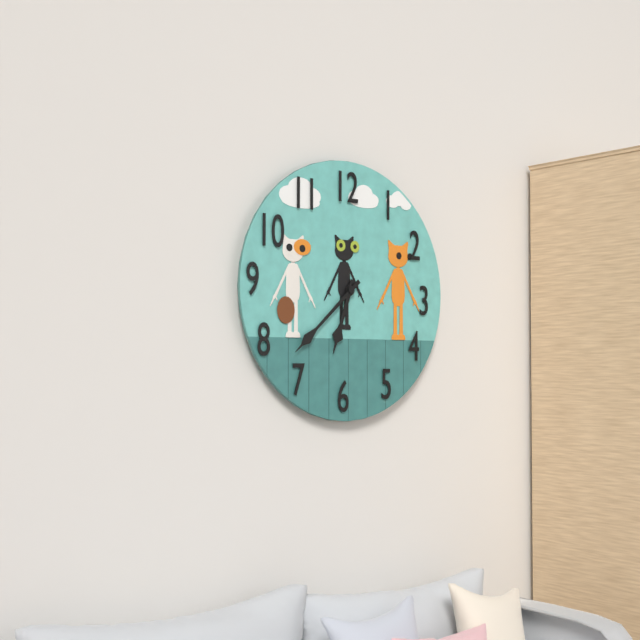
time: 6:38
